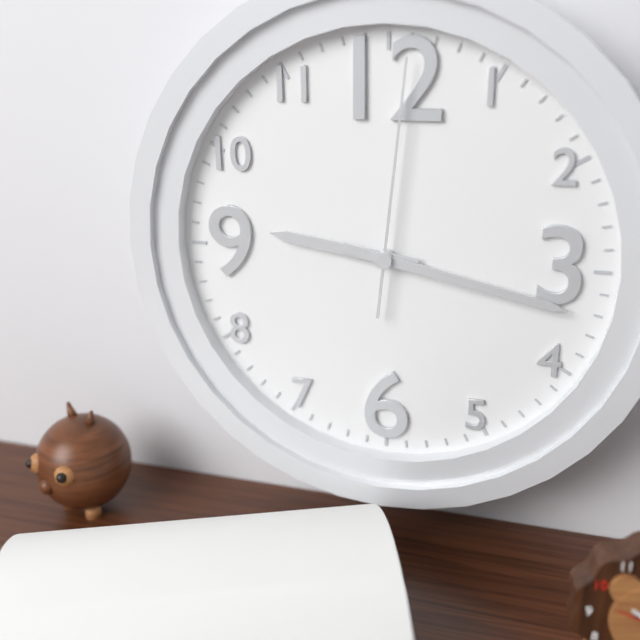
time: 9:17:01
